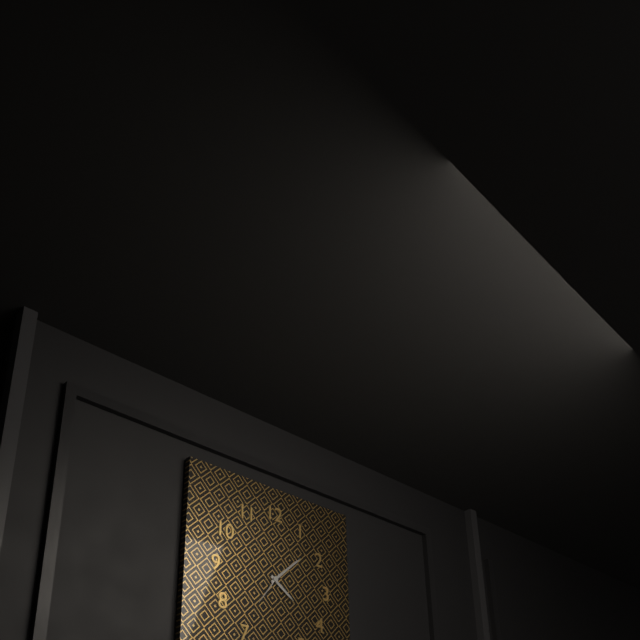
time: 4:08
